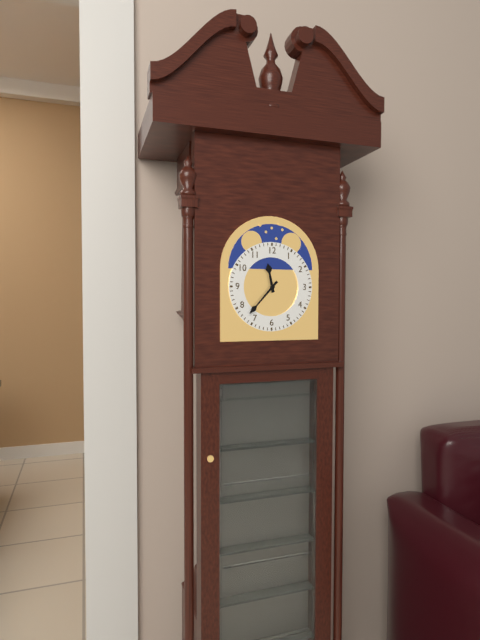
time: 11:37
